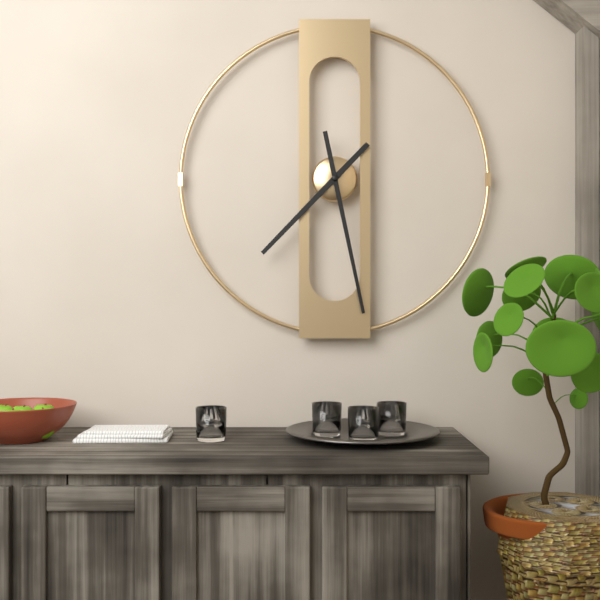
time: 7:28
